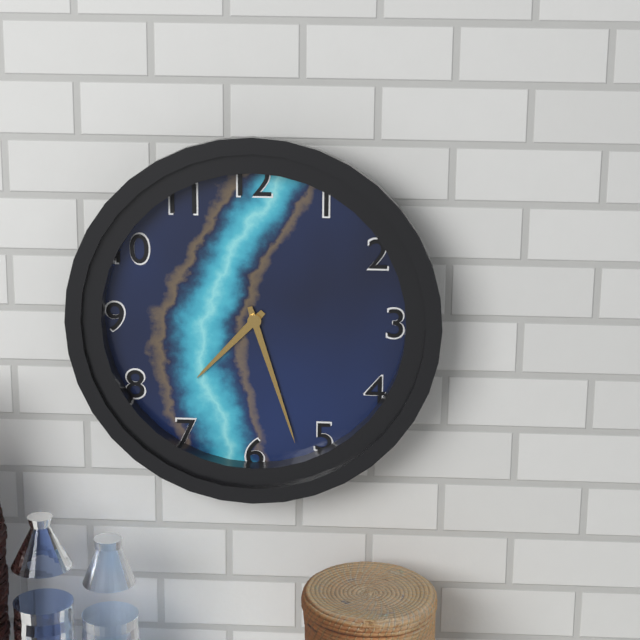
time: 7:27
